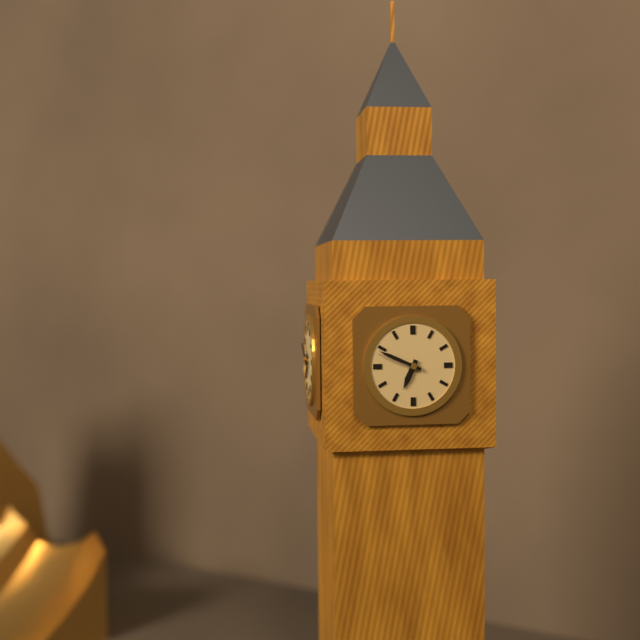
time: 6:49
